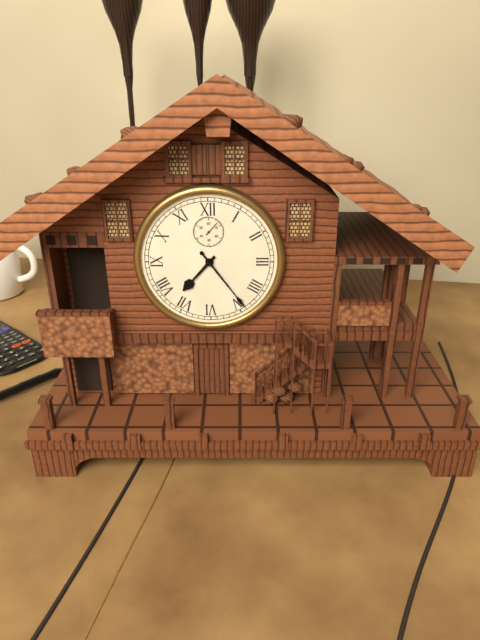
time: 7:24
